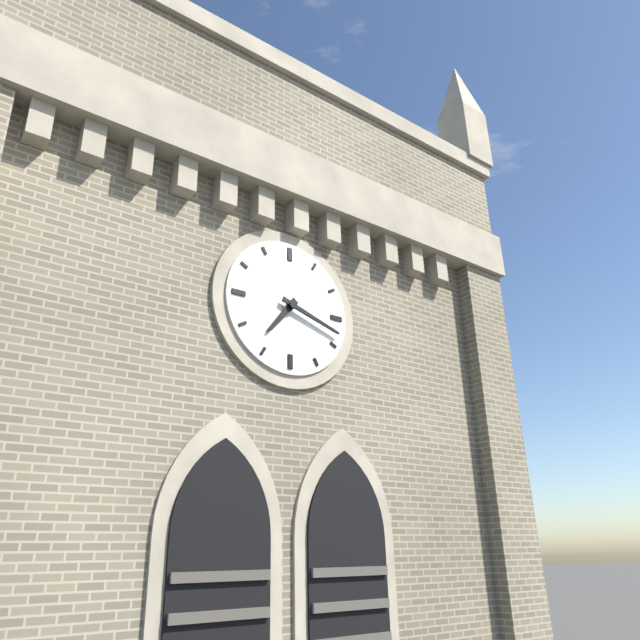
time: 7:18
